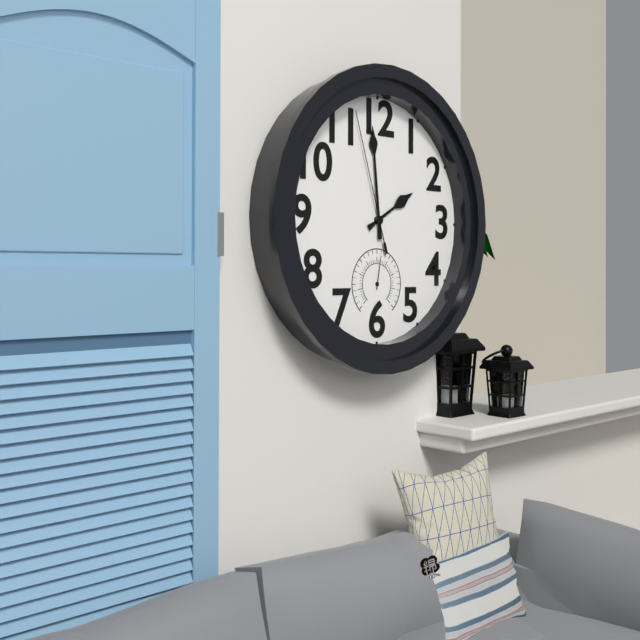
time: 1:59:57
